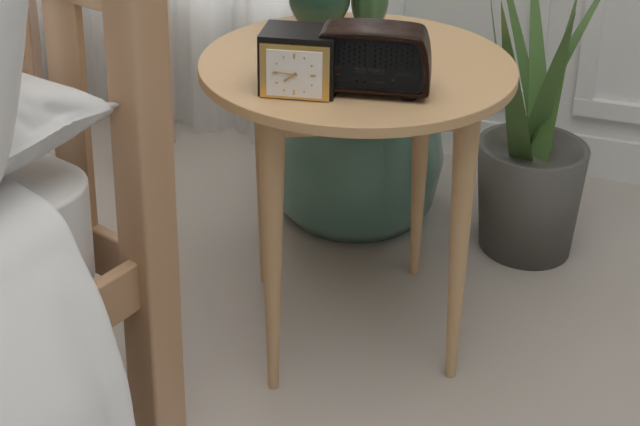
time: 7:46
